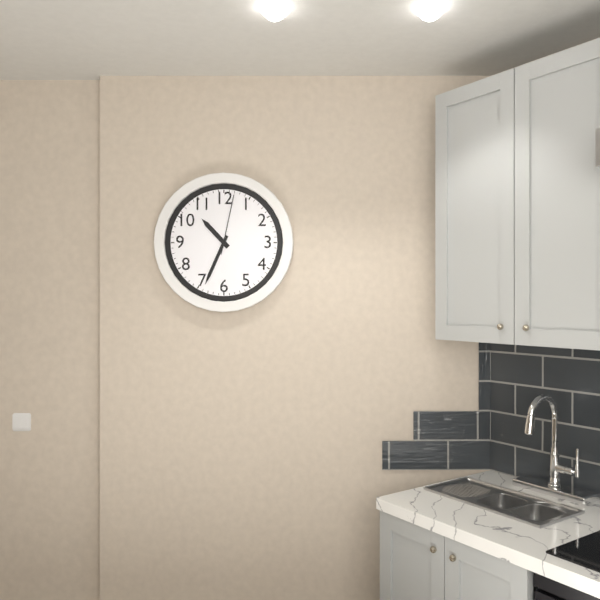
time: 10:34:02
